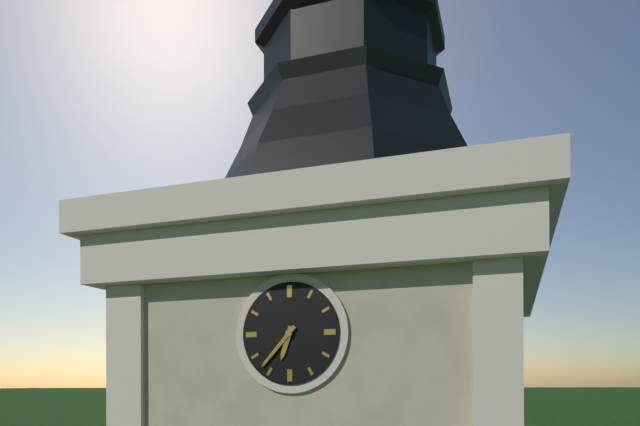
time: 6:37
